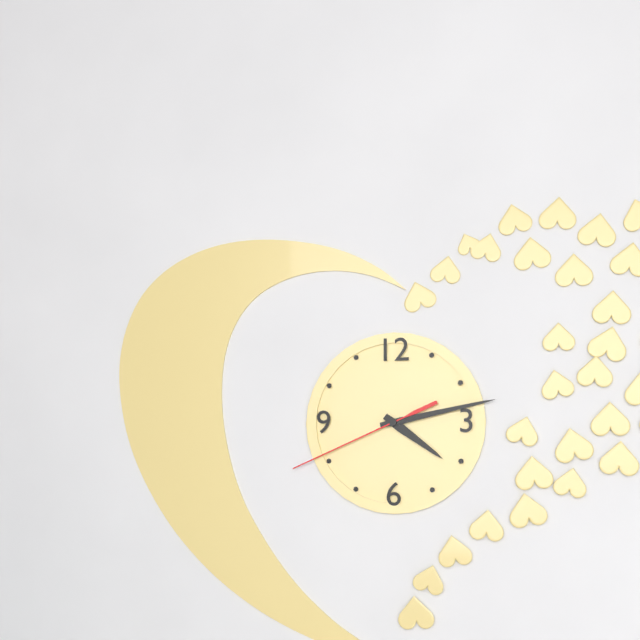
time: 4:13:41
